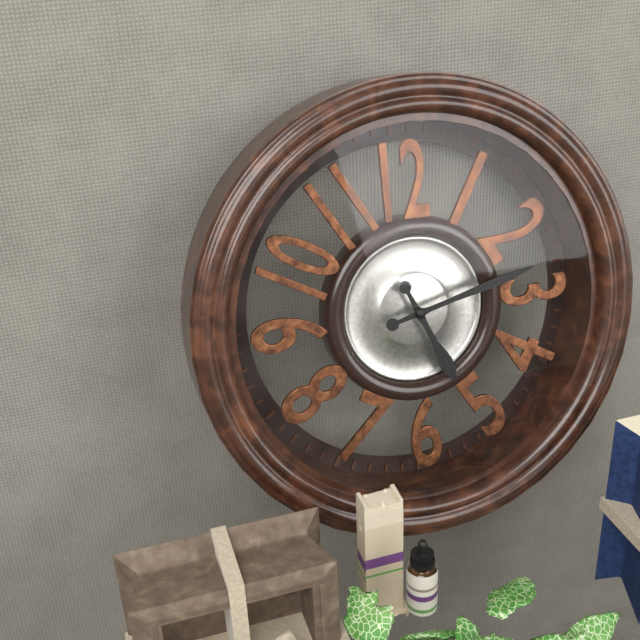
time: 5:13
